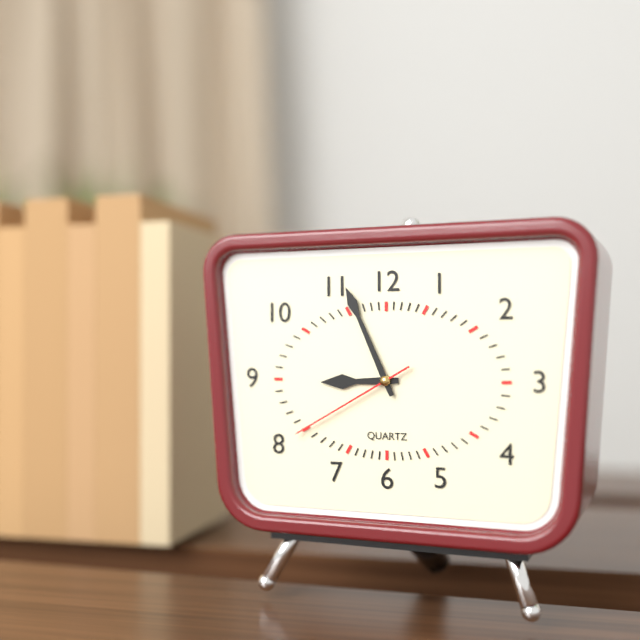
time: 8:56:40
